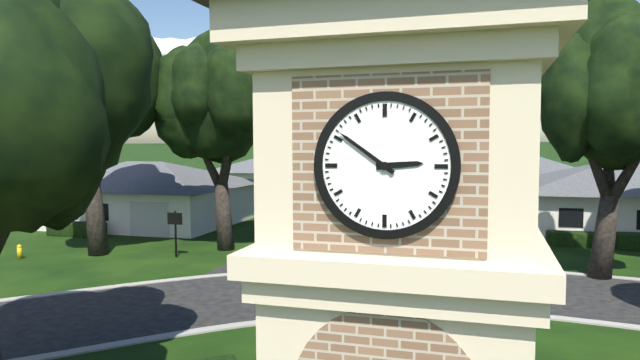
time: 2:51
